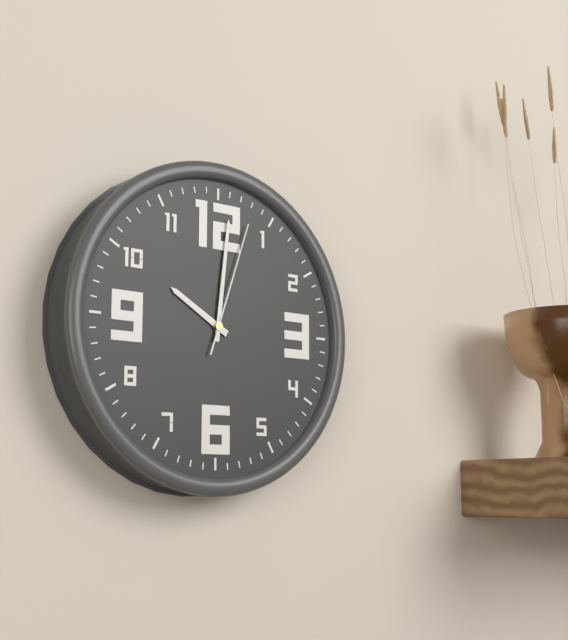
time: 10:01:03
